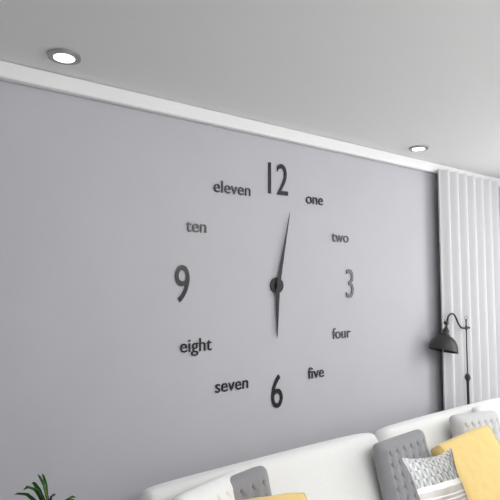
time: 6:02
